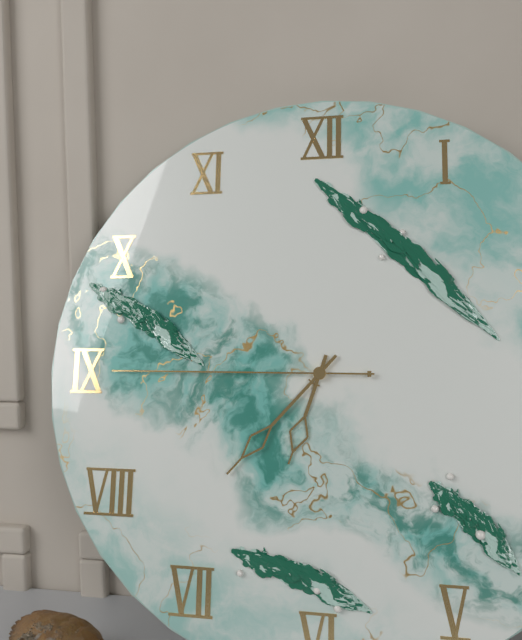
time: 6:37:45
